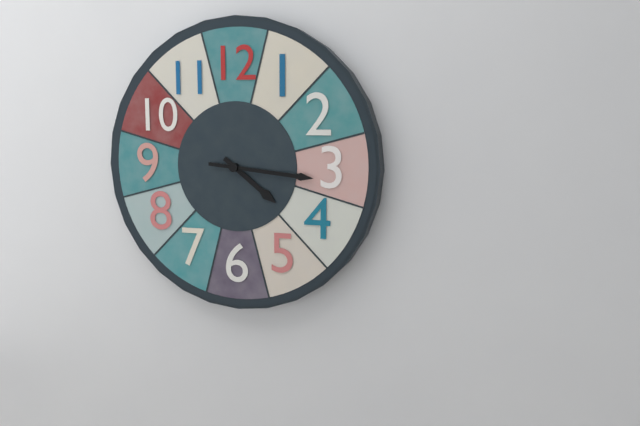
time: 4:16
